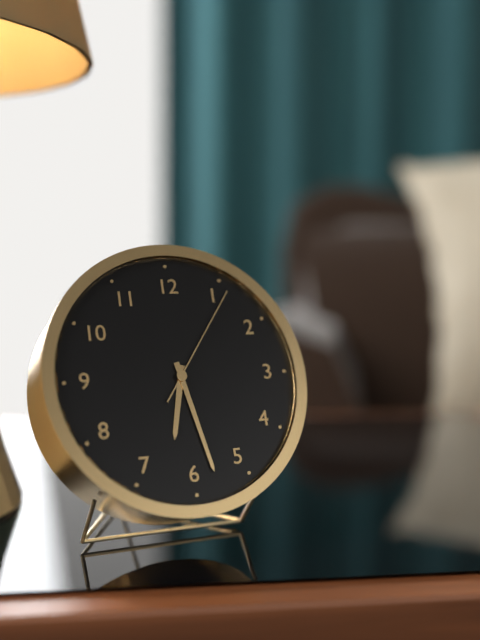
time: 6:28:06
